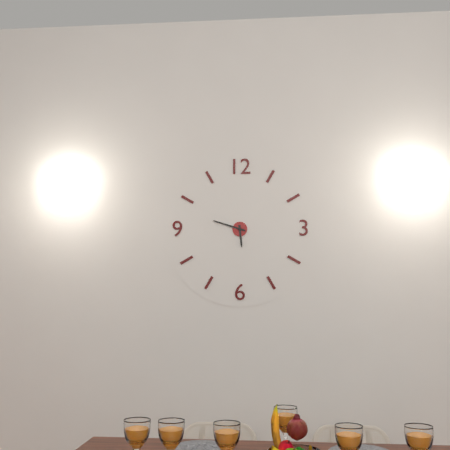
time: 5:48
